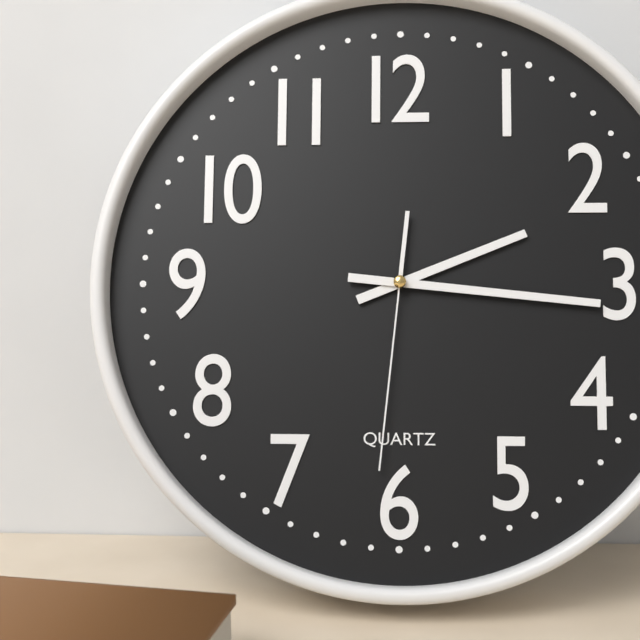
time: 2:16:31
